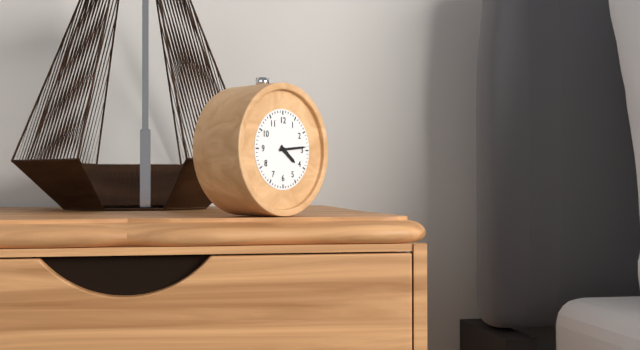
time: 4:14
